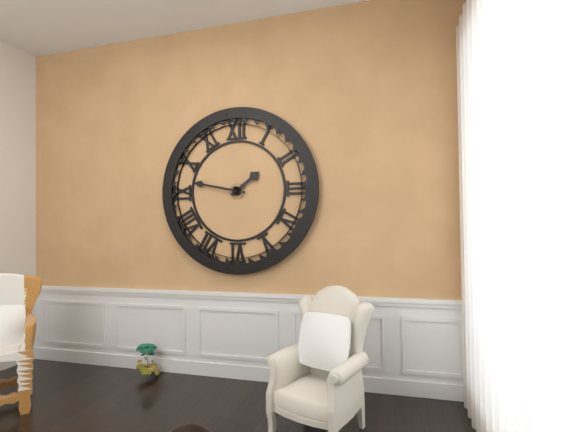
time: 1:47
